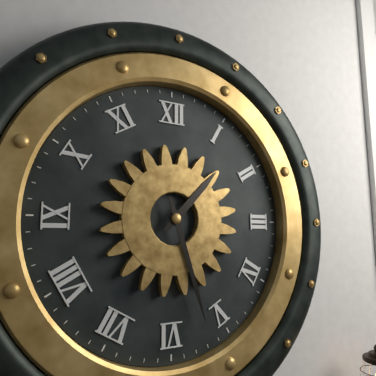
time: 1:27
